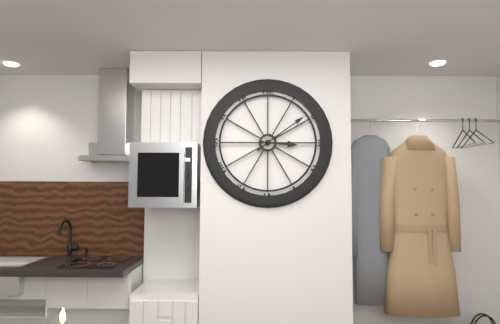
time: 3:09
